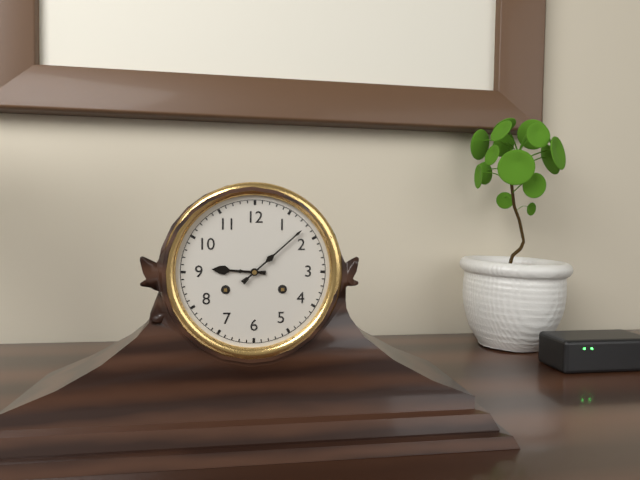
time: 9:08
